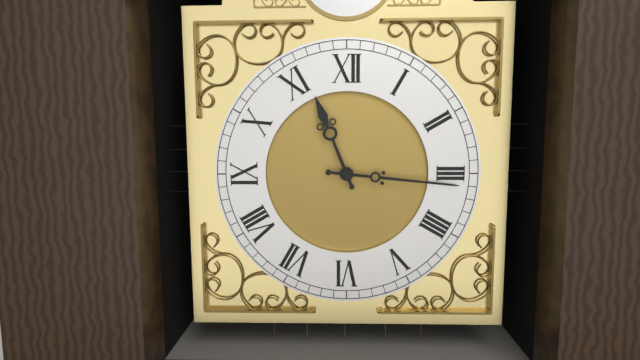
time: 11:16
